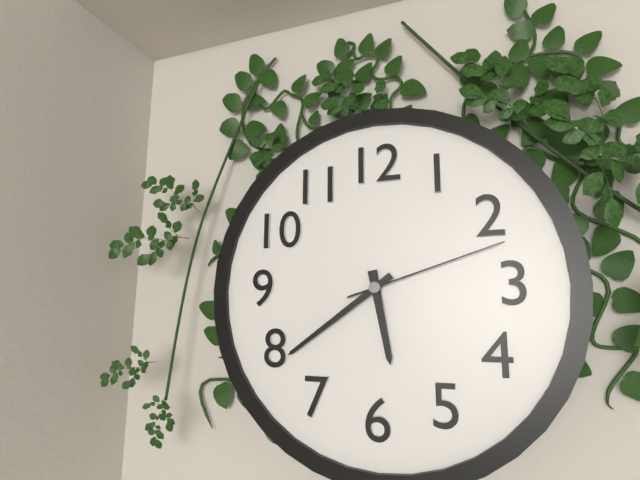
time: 5:39:12
